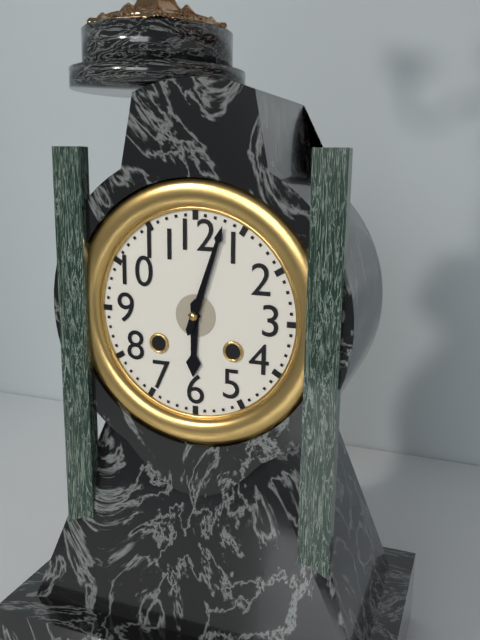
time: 6:03
